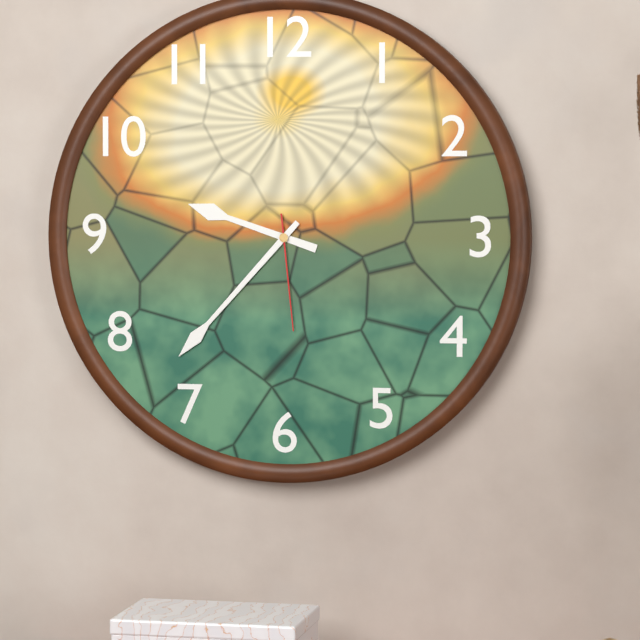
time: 9:37:29
